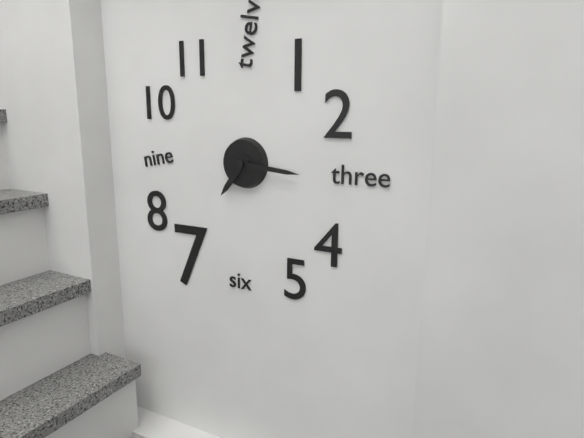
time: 7:16
